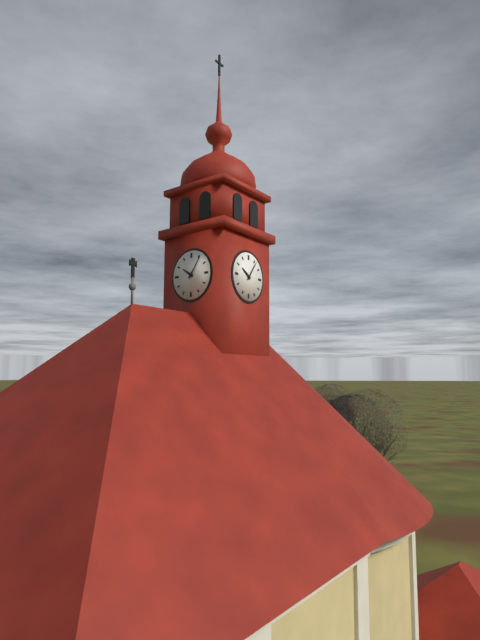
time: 10:06
